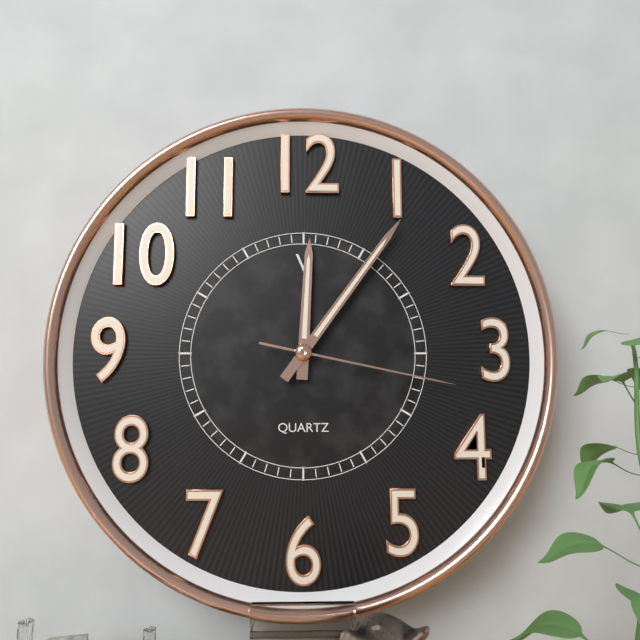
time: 12:06:17
